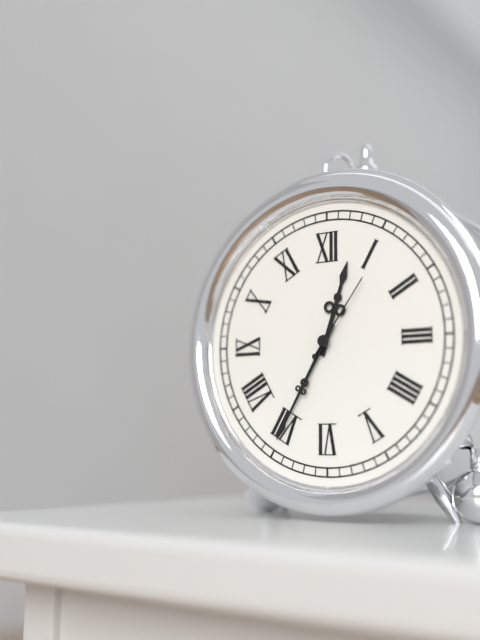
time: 12:35:06
